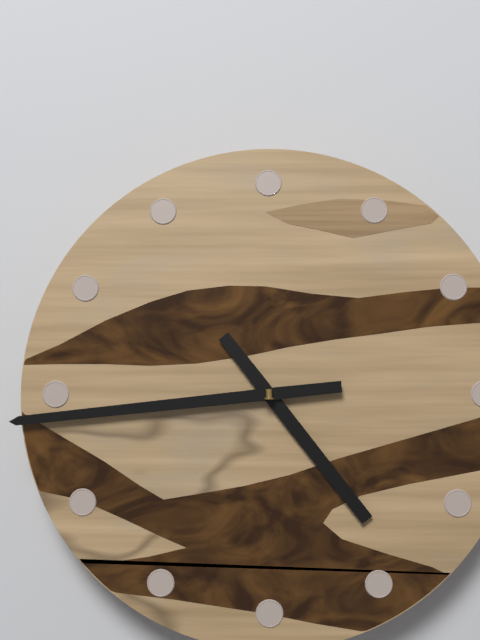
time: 4:44
